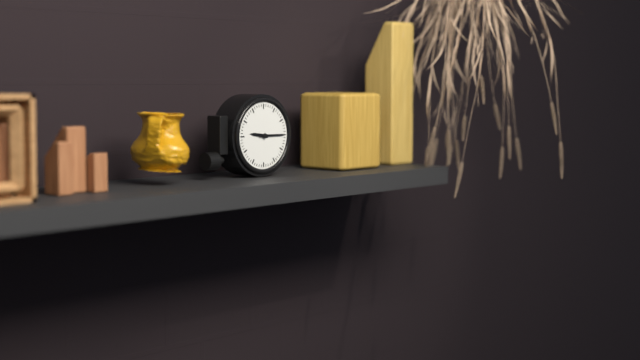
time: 9:15
